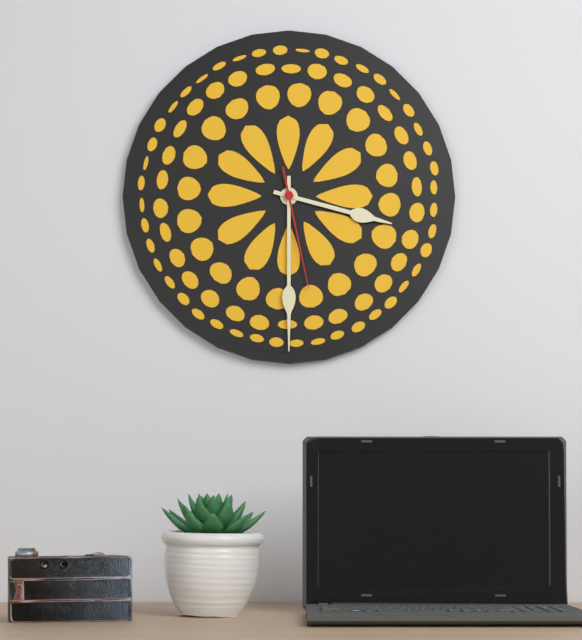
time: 3:30:28
